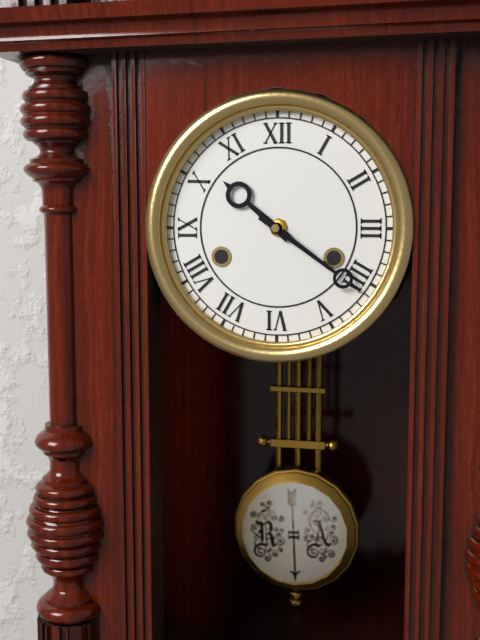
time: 10:21
